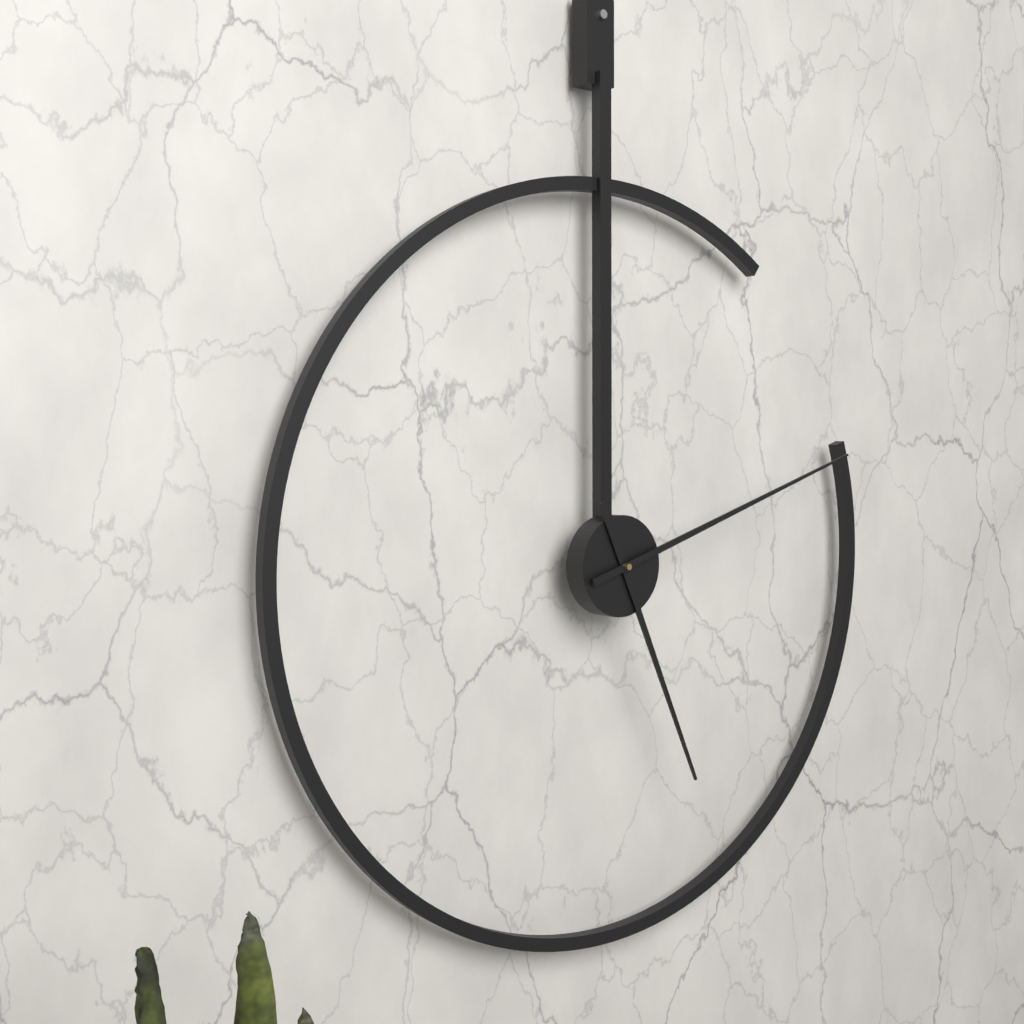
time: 5:12
